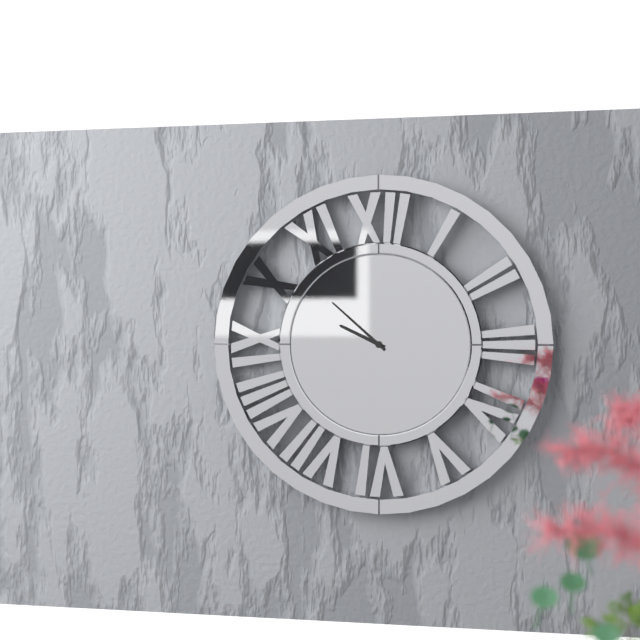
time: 9:52
